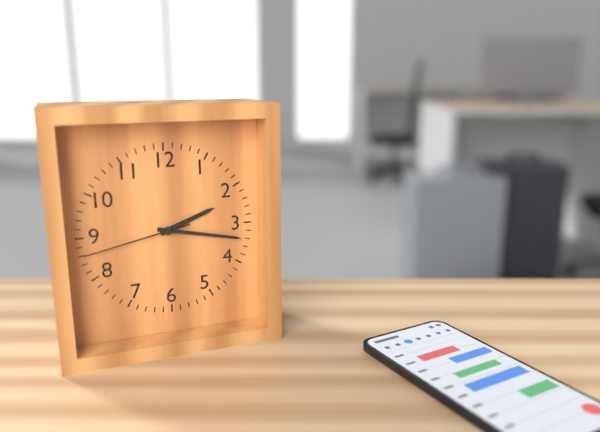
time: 2:17:43
